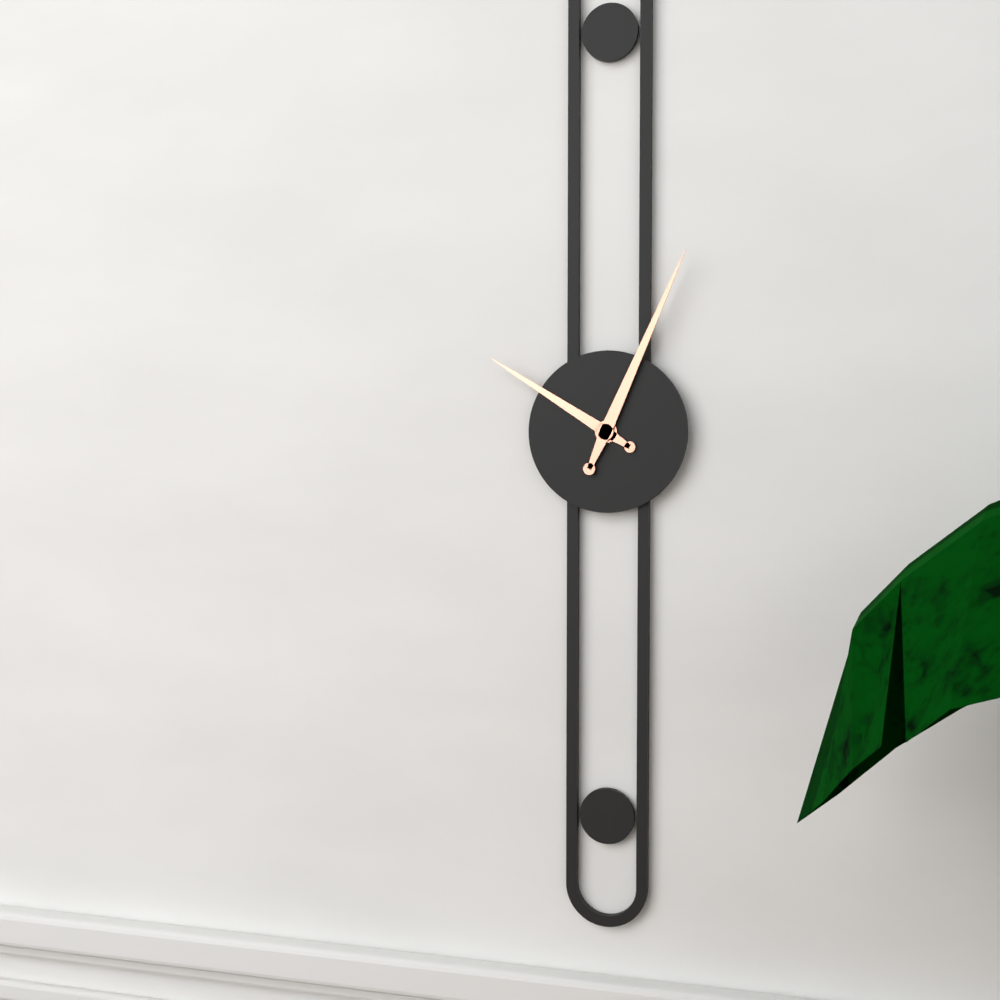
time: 10:04
